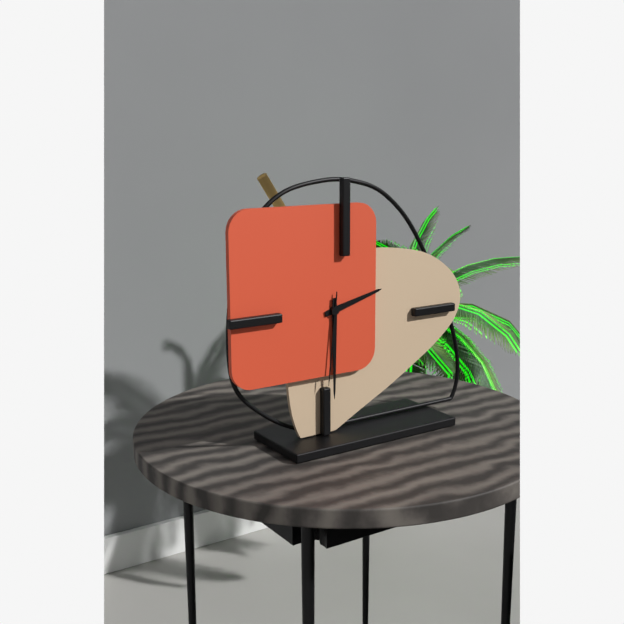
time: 2:30:31
